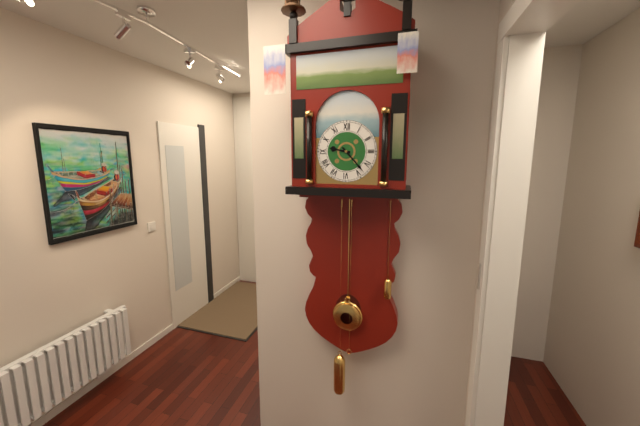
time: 9:23
